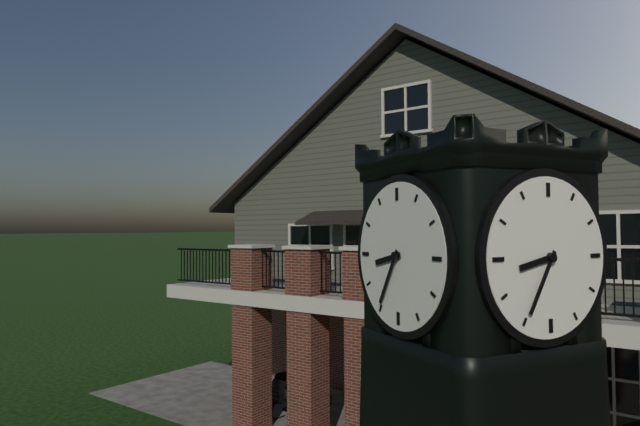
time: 8:35
